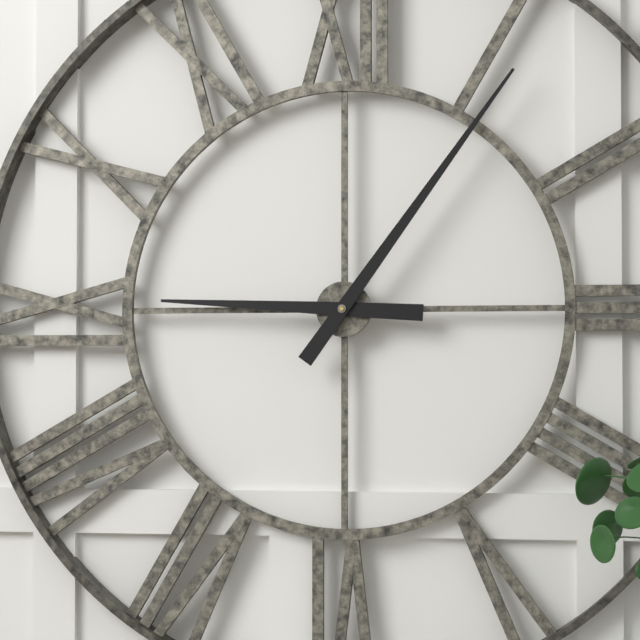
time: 9:06
